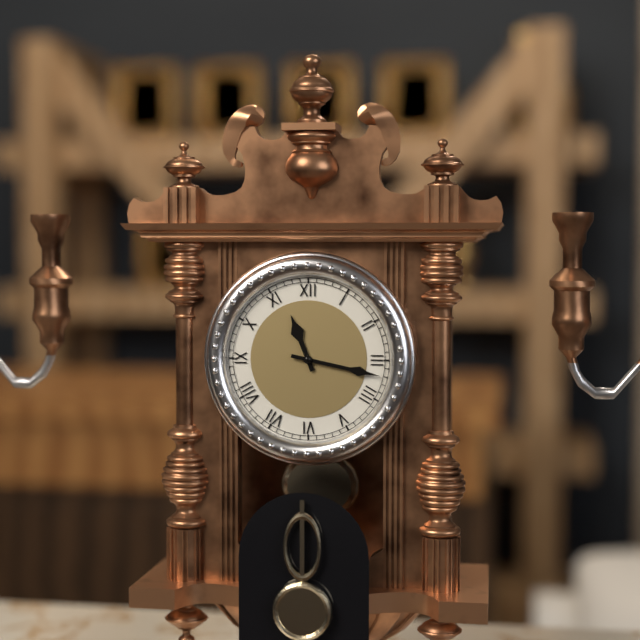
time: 11:17
